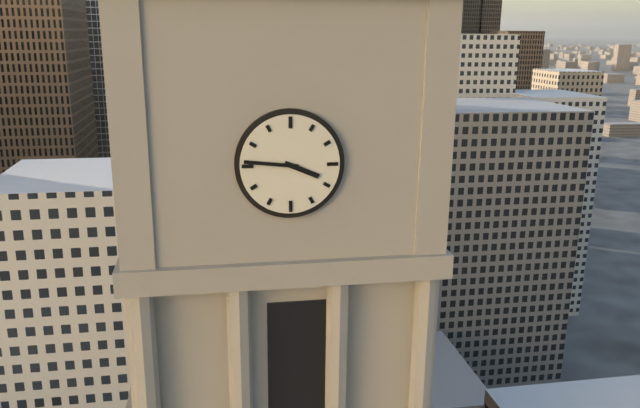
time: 3:46
